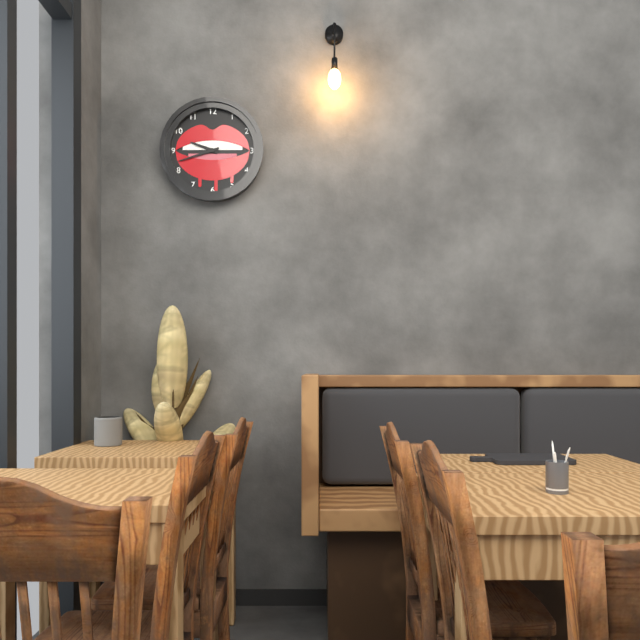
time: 9:42
